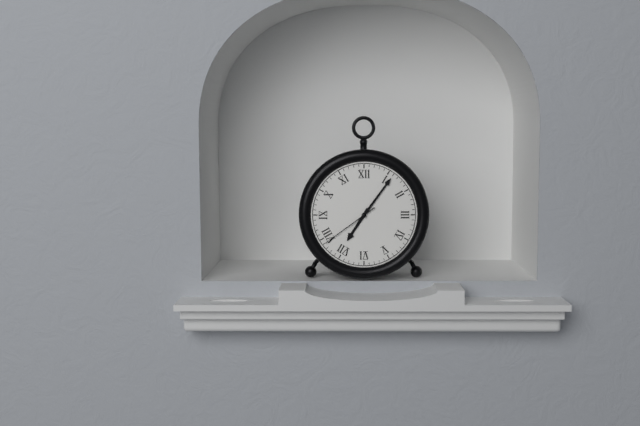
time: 7:06:39
